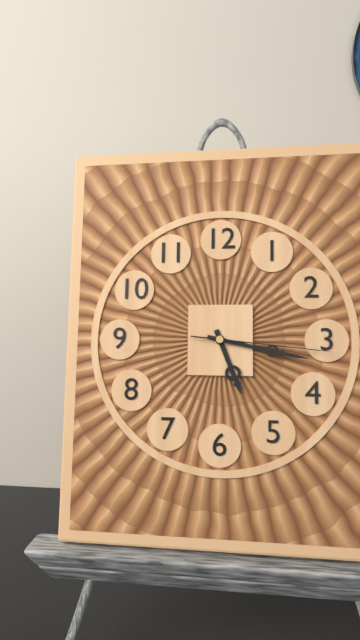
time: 5:17:16
